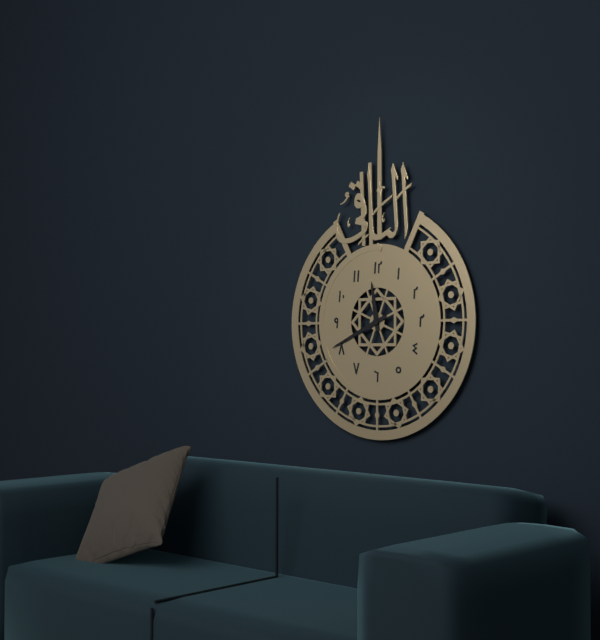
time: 11:41
